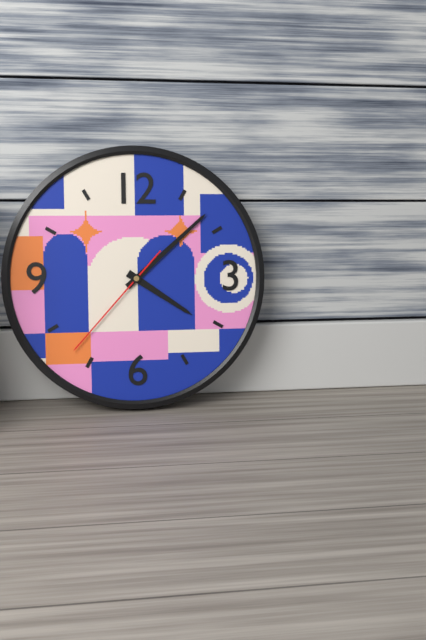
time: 4:08:37
